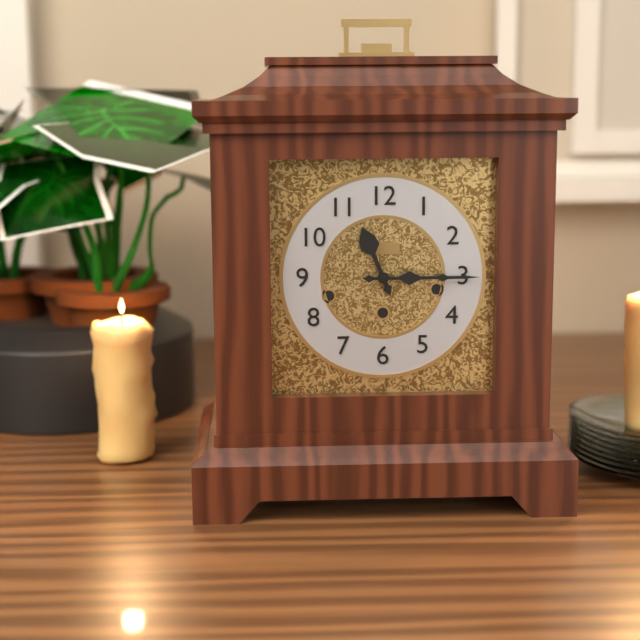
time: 11:15
